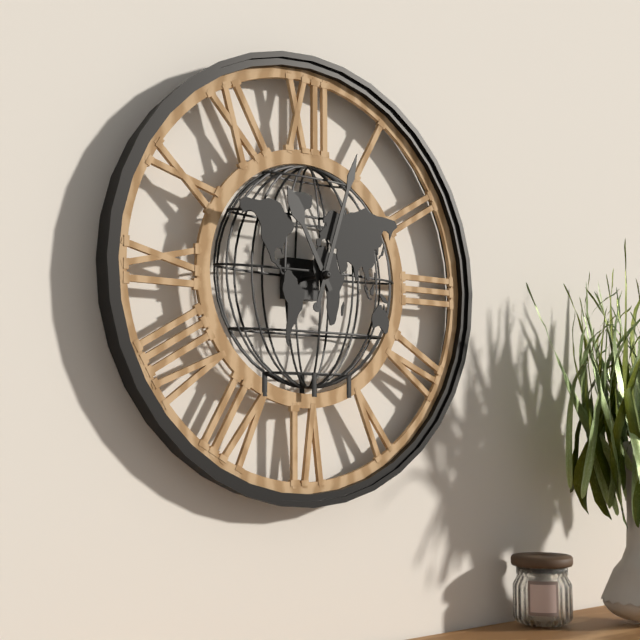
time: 11:03
